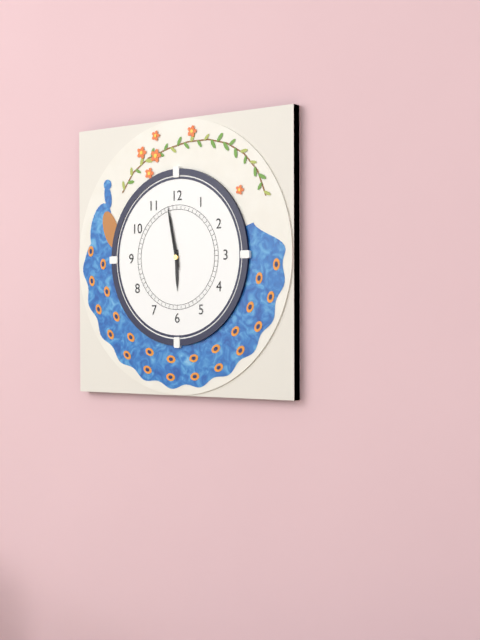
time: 5:58:58
